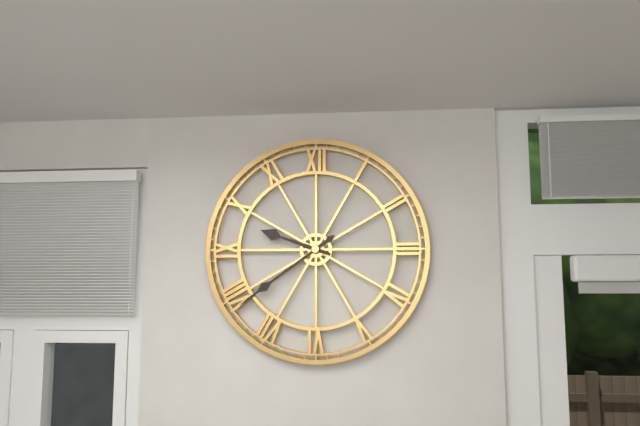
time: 9:39
